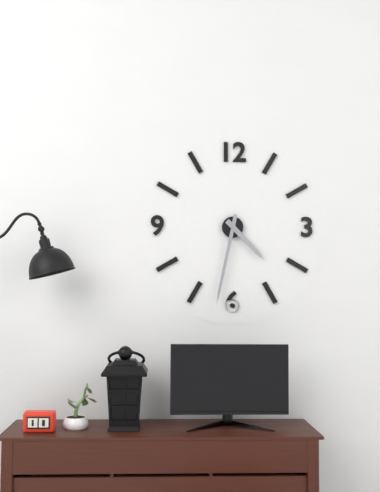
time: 4:32
